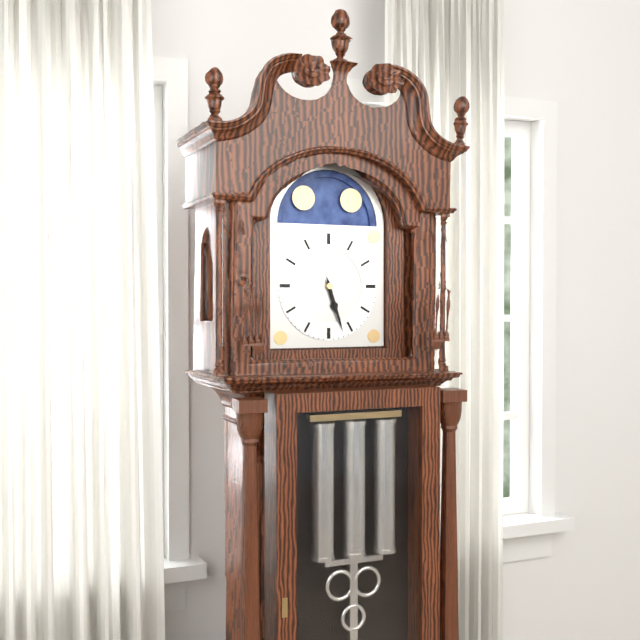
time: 5:27
